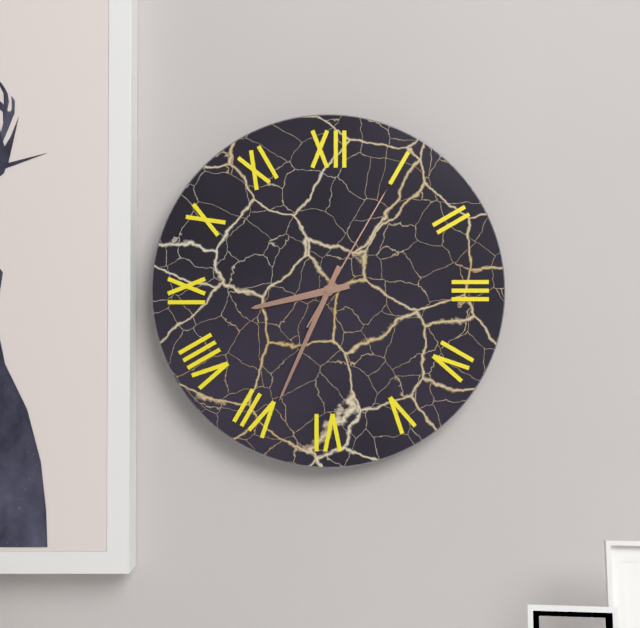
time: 8:34:05
